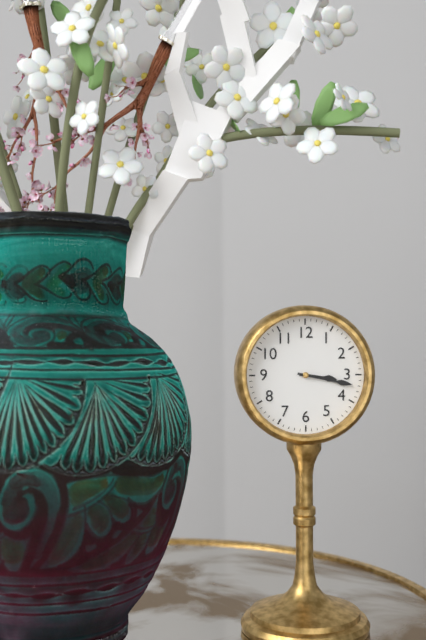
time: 3:17
